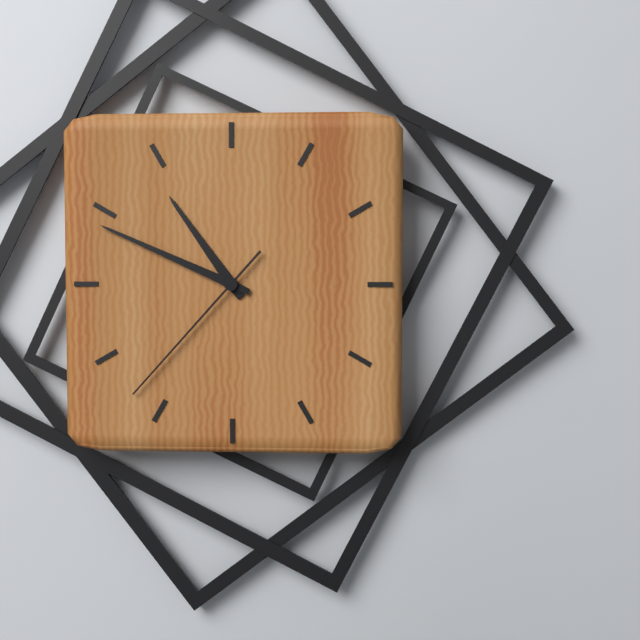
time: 10:49:37
